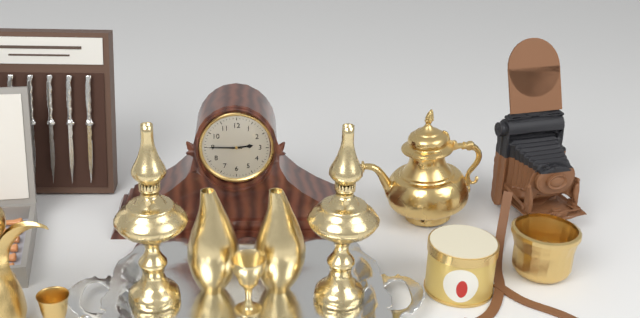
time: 2:45
